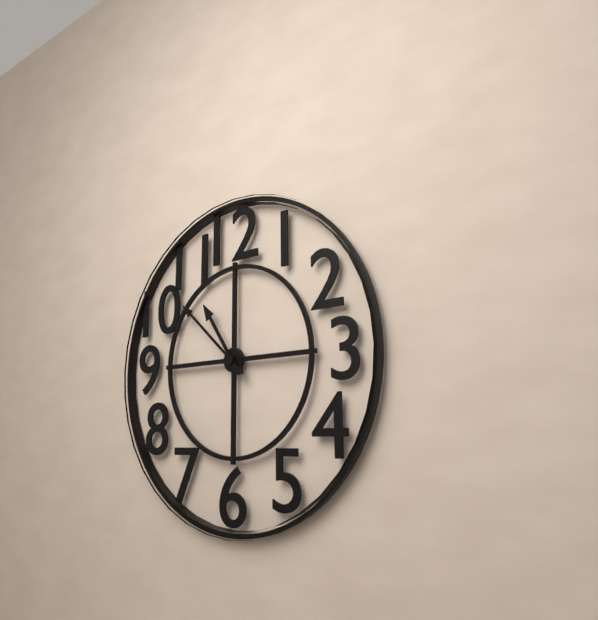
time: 10:52
